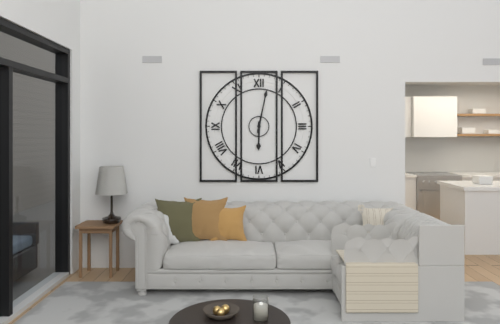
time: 6:02
